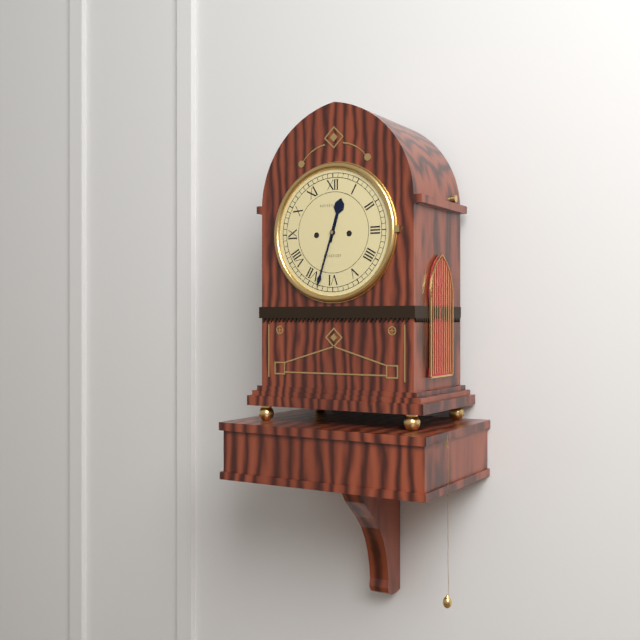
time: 12:33
